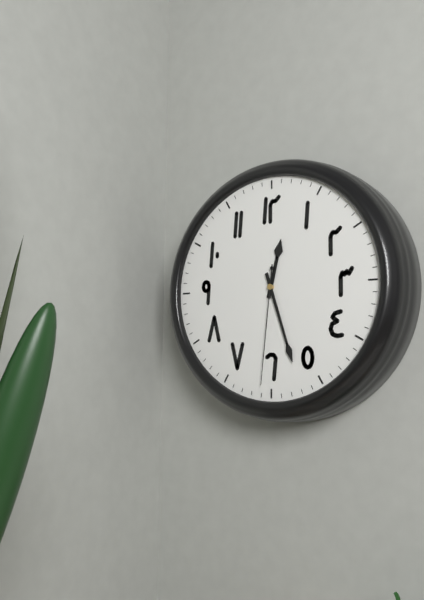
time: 12:27:31
